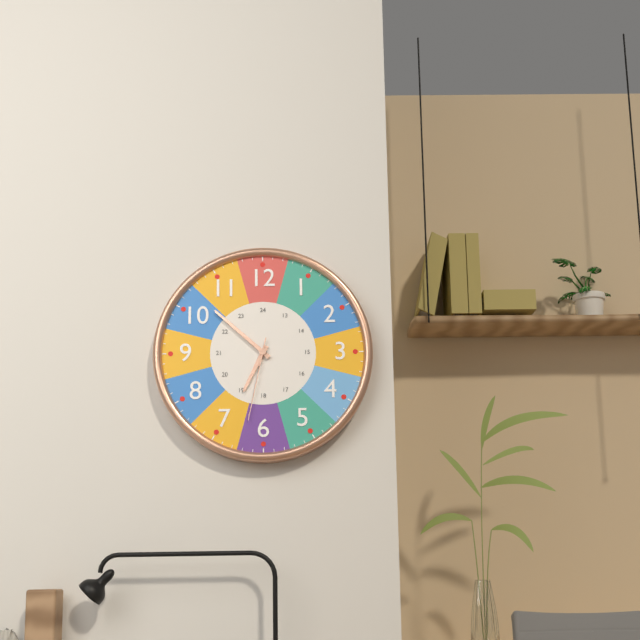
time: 6:52:32
